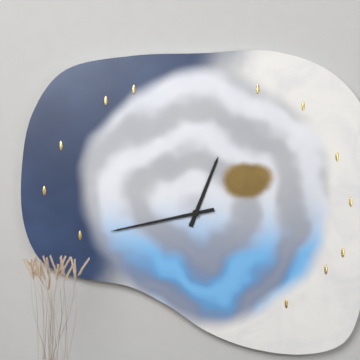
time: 12:43
